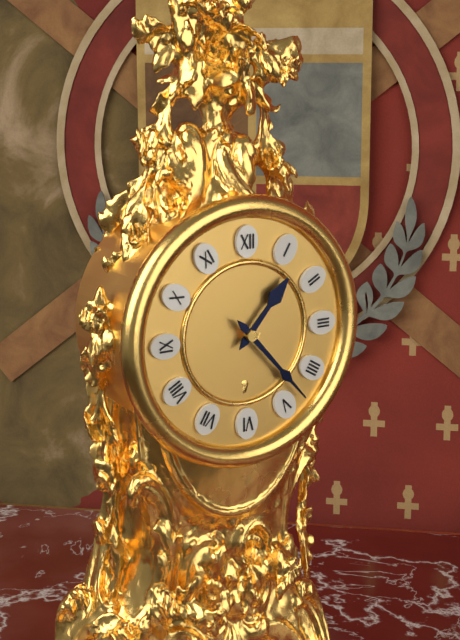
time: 1:23
